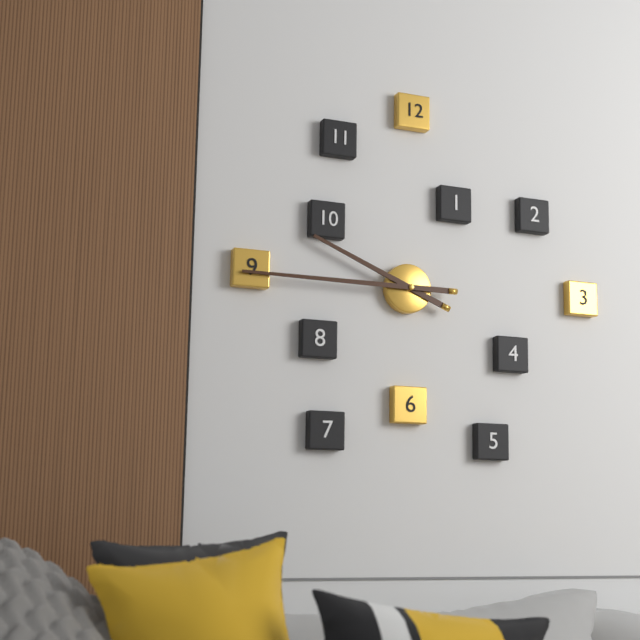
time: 9:45
